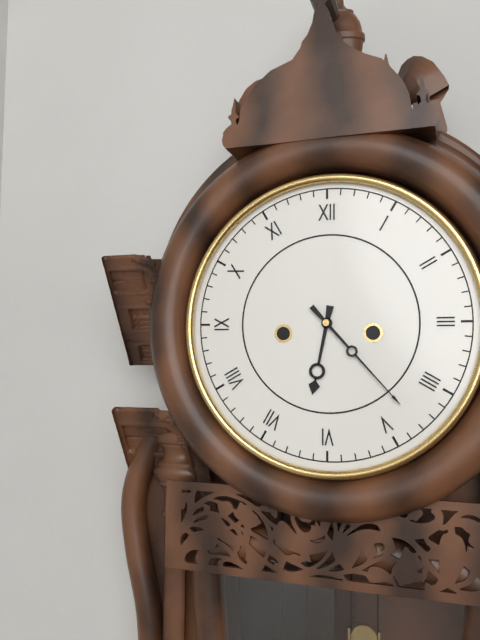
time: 6:23
